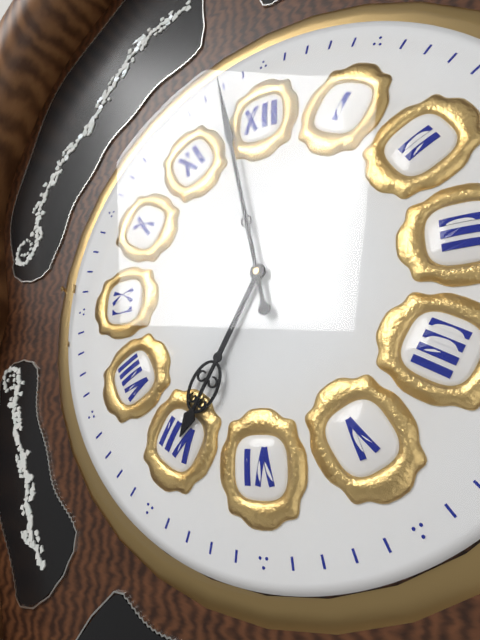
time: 6:58
